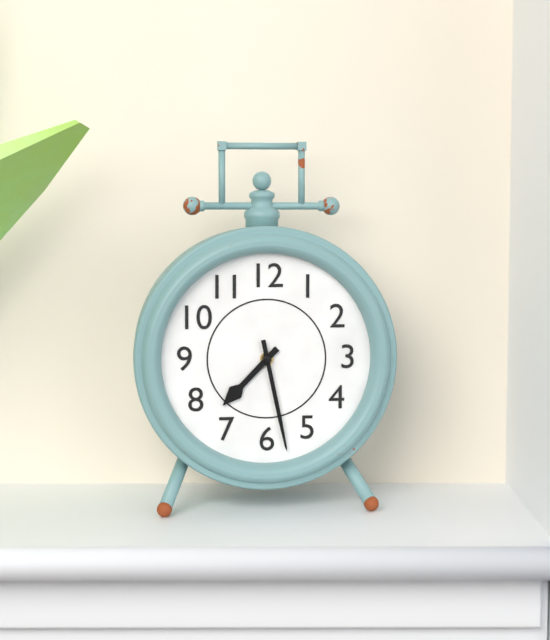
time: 7:28
